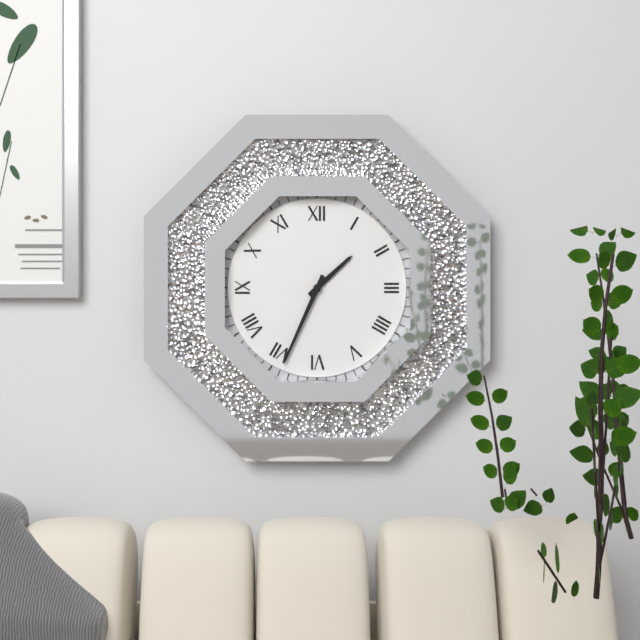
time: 1:34
